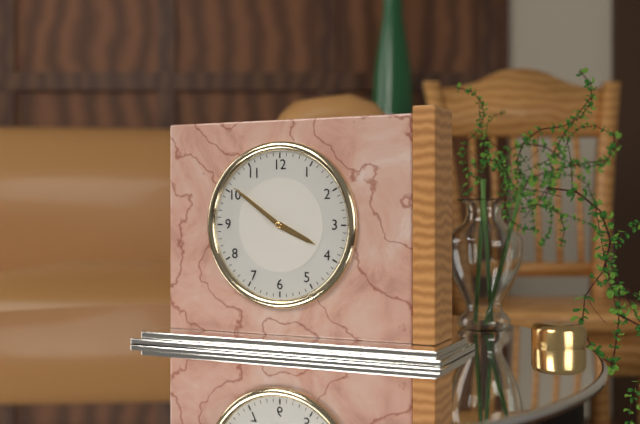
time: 3:51
